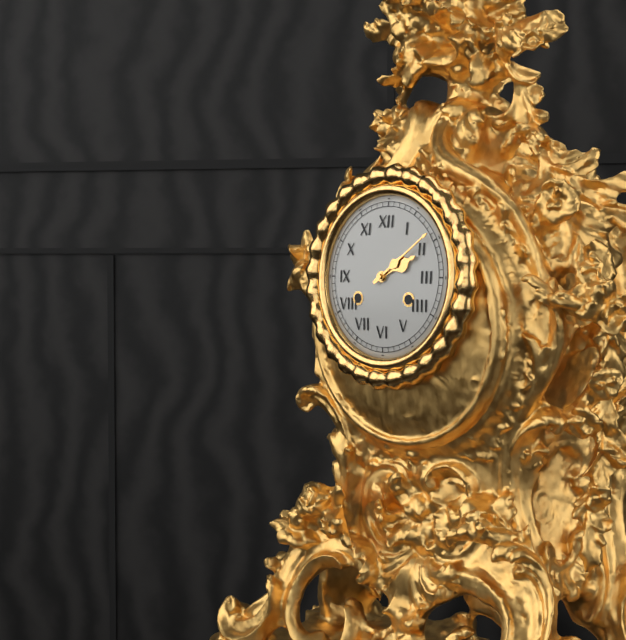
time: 2:09
